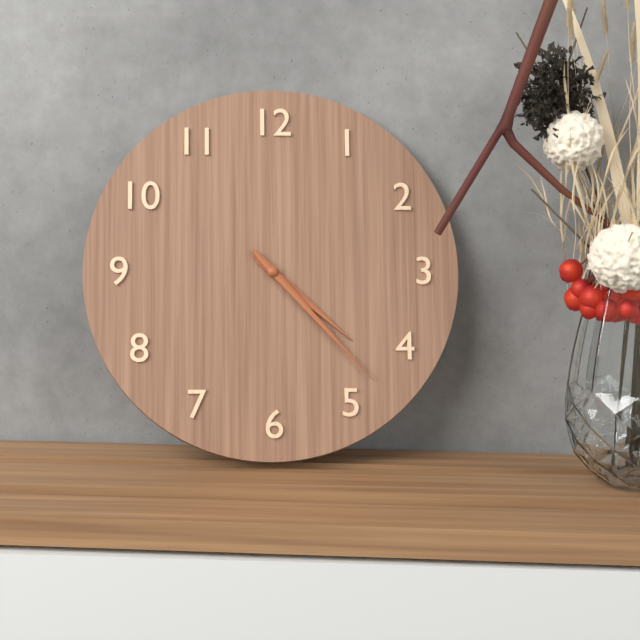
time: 4:23
